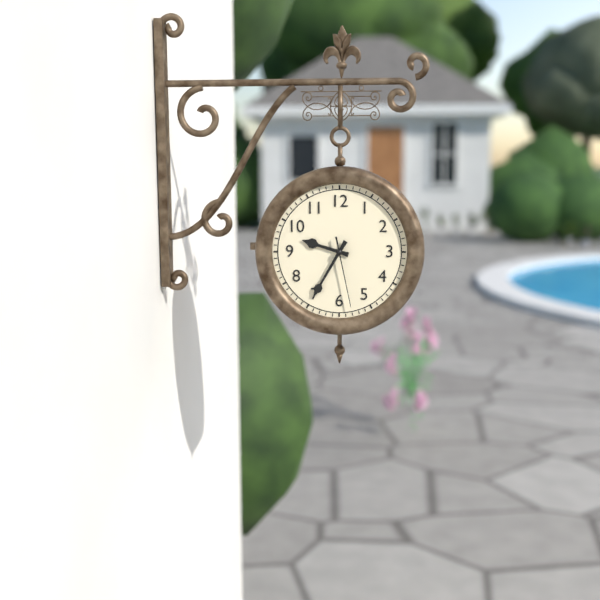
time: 9:35:28
